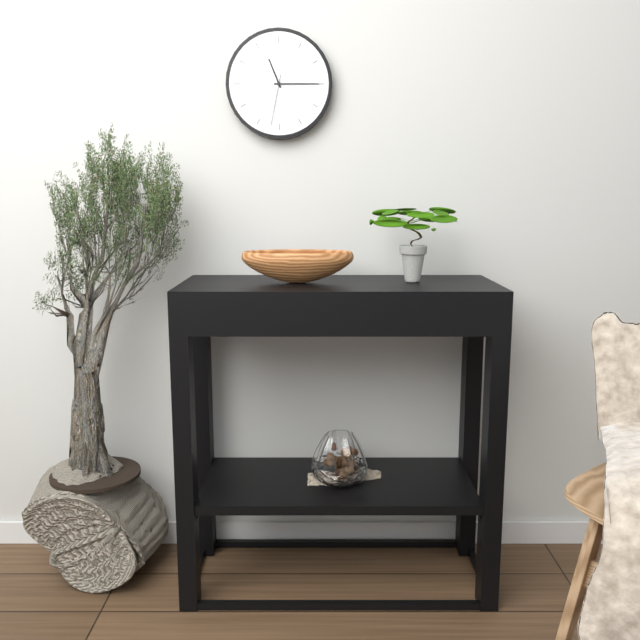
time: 11:15:32
